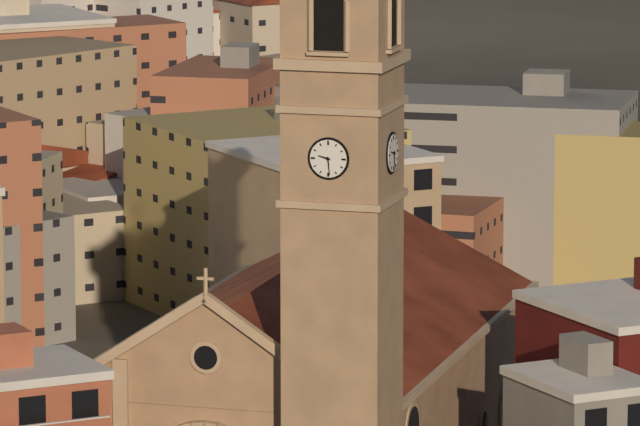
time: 9:29
